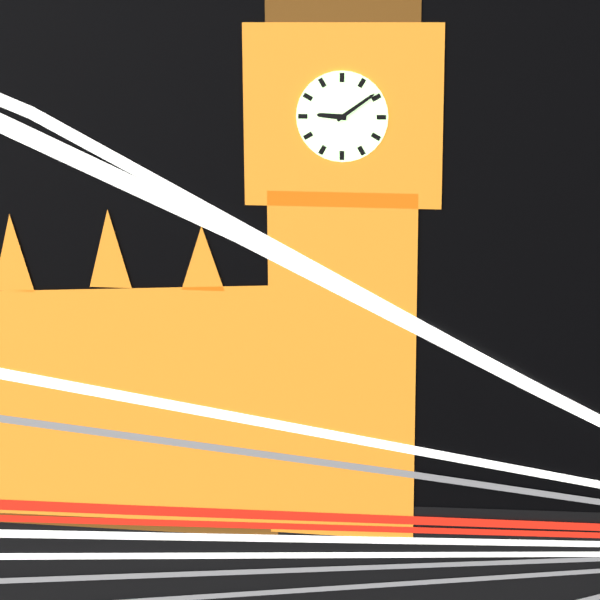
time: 9:09
